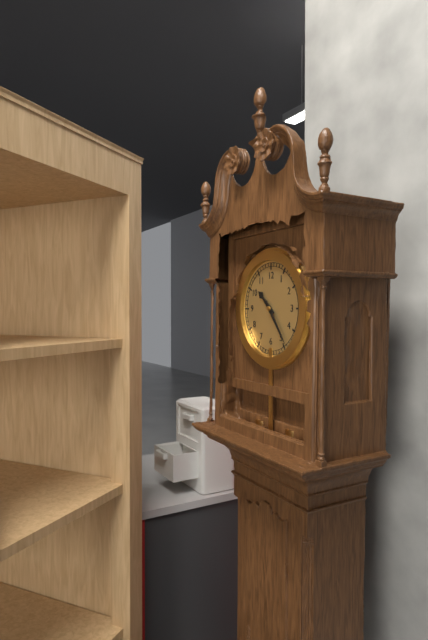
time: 10:24
